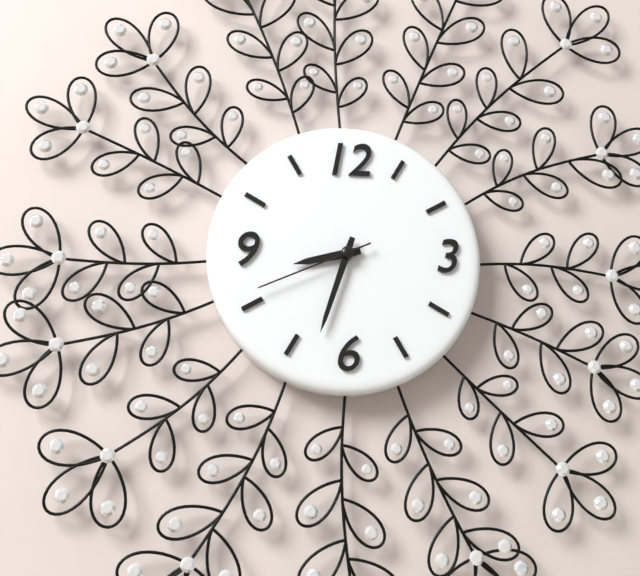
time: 8:33:41
